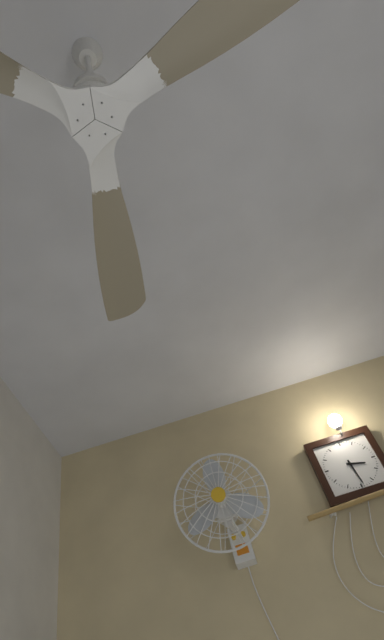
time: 3:29
